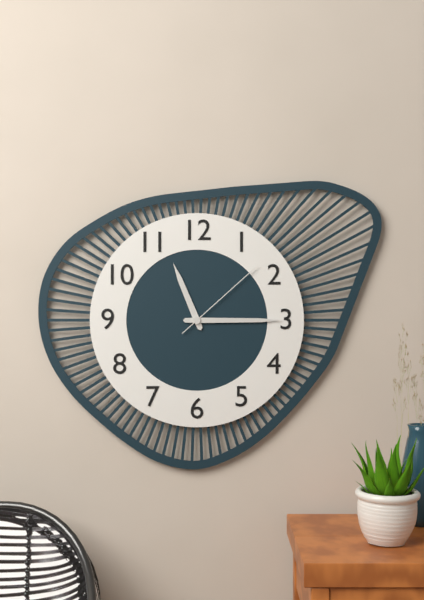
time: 11:15:08
